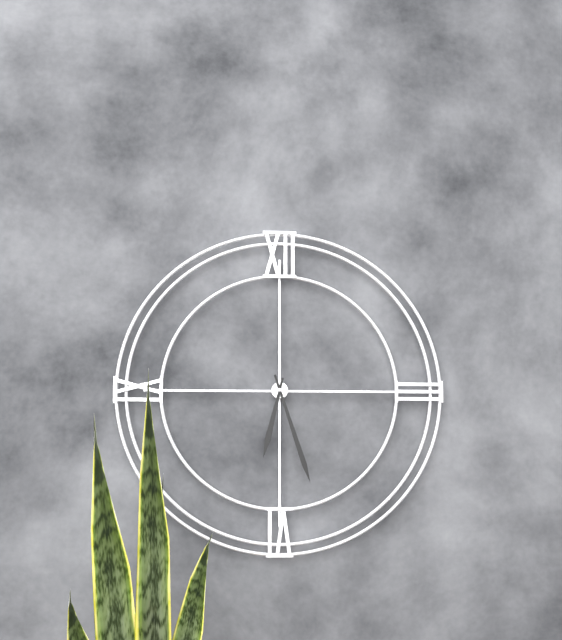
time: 6:27
